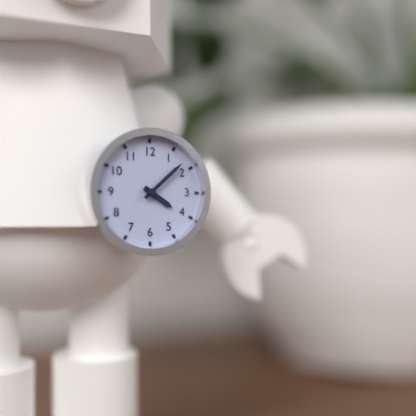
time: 4:08
